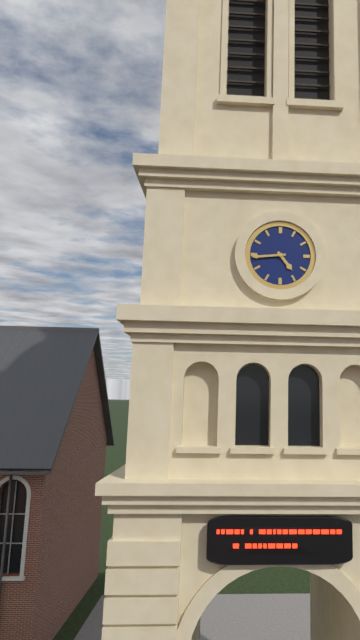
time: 4:44
